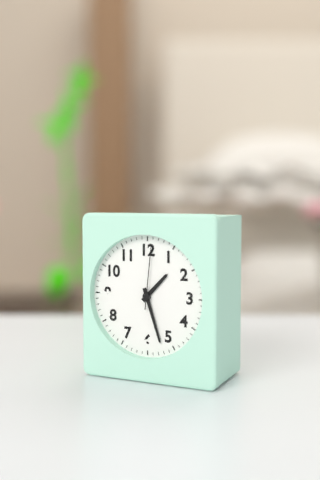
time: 1:27:01
